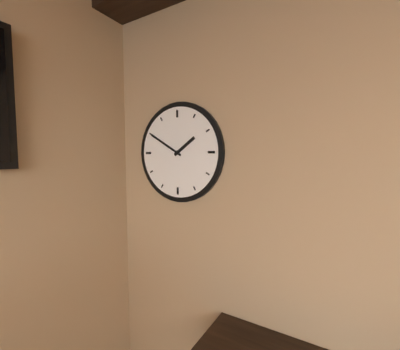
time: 1:50
